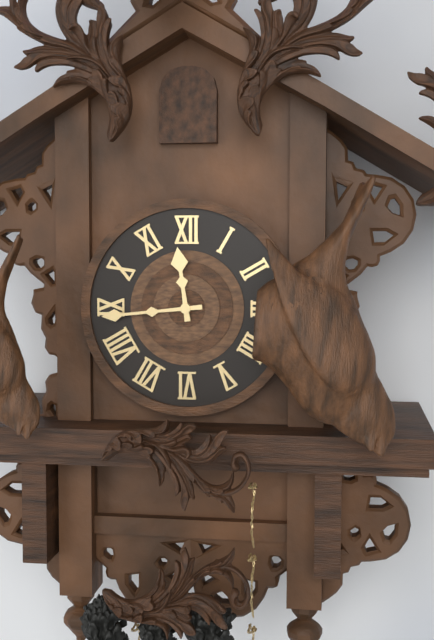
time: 11:44
